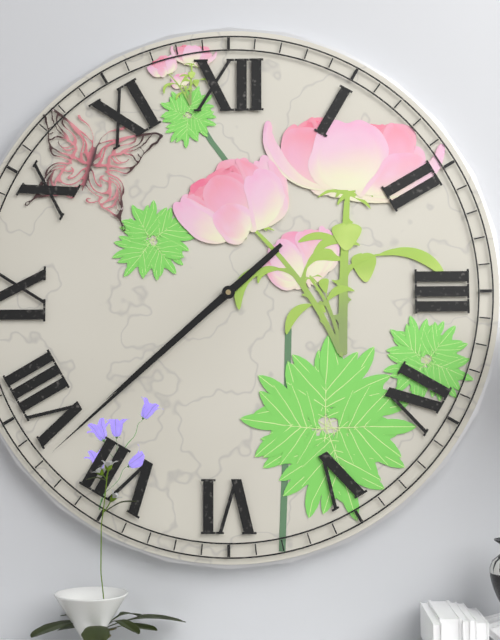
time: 7:38
